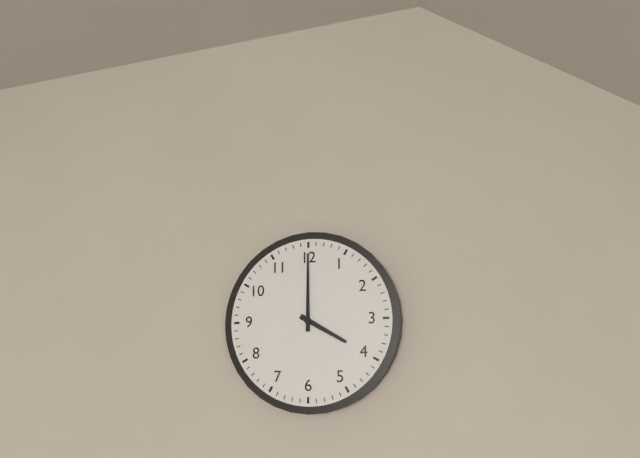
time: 4:00
